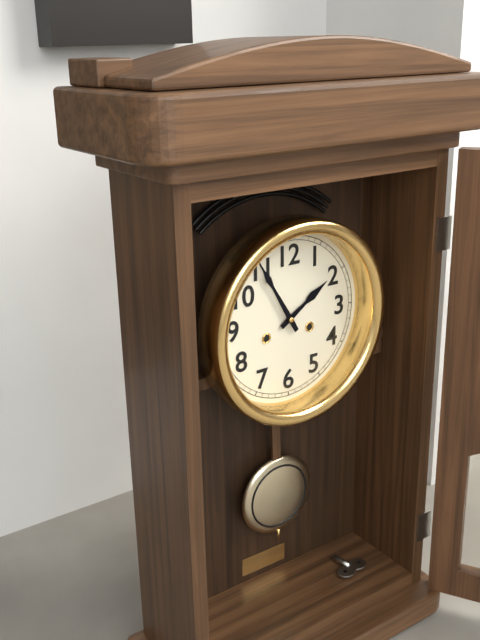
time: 1:55
